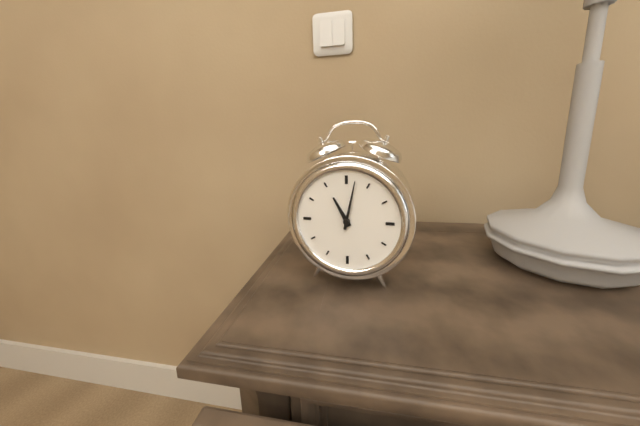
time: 11:02
